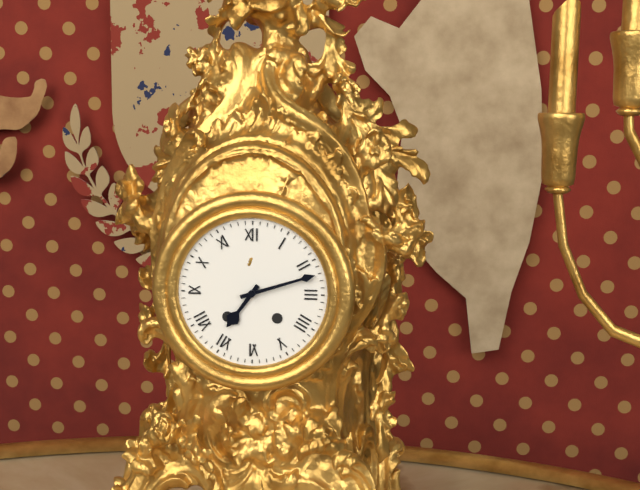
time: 7:12
